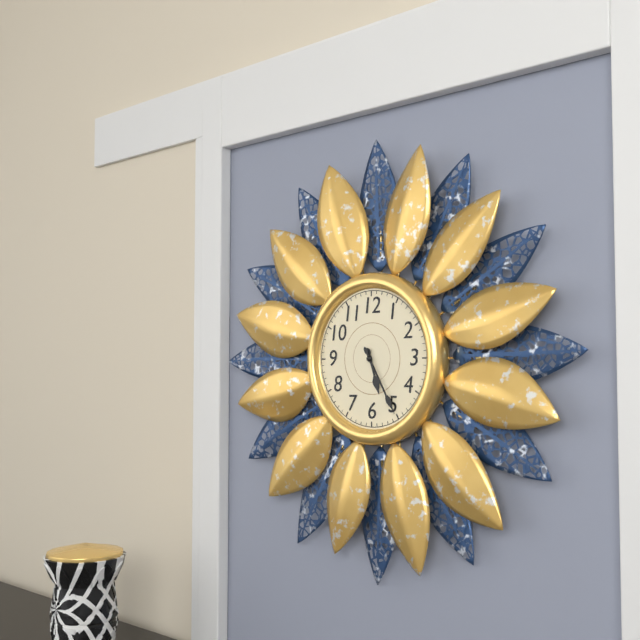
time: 5:25
